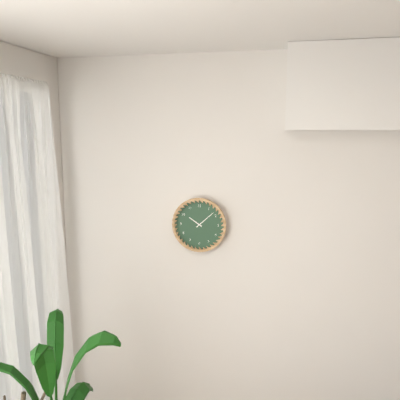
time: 10:08
